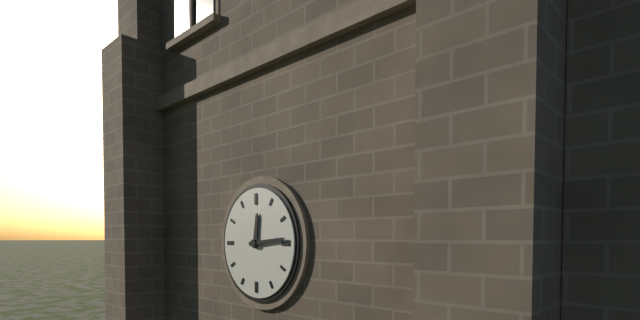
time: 12:14
